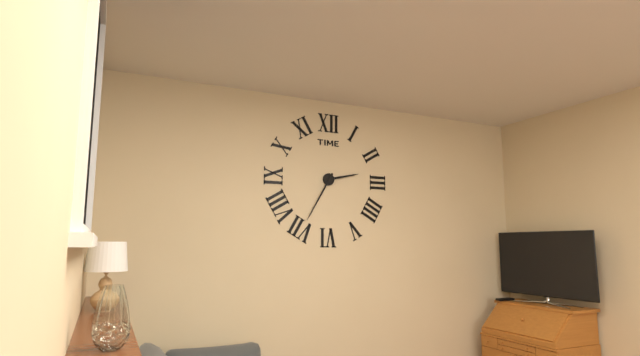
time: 2:35
